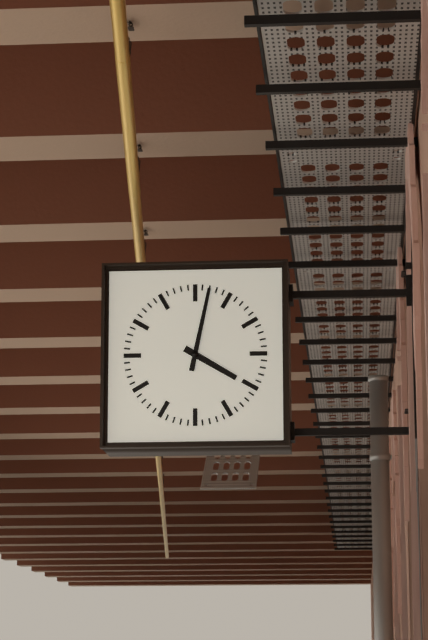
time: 4:02
